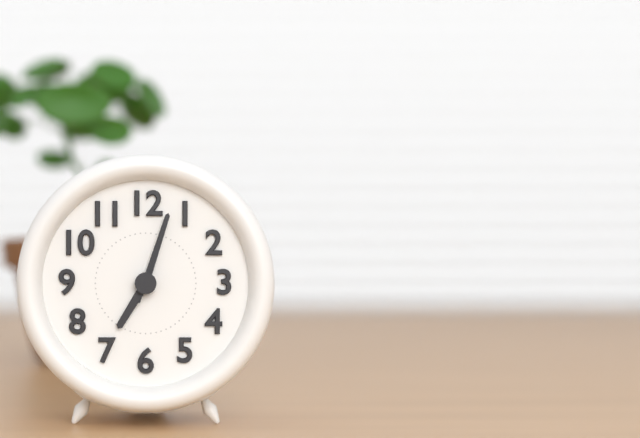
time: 7:03:03
